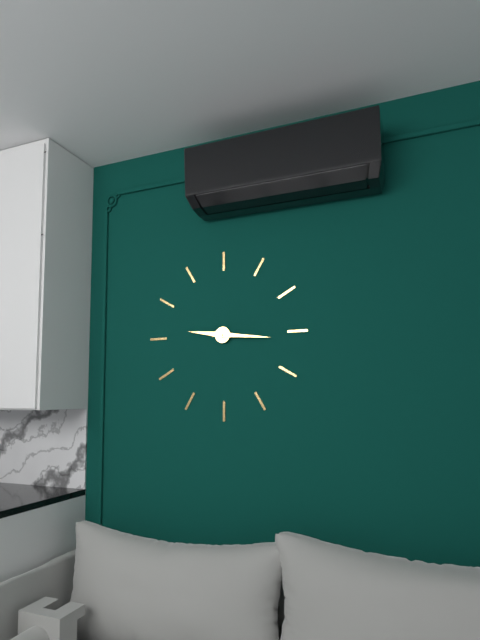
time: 9:16
